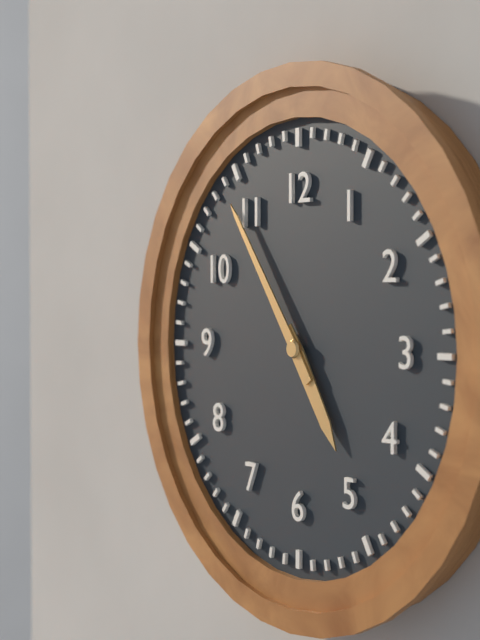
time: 4:54
